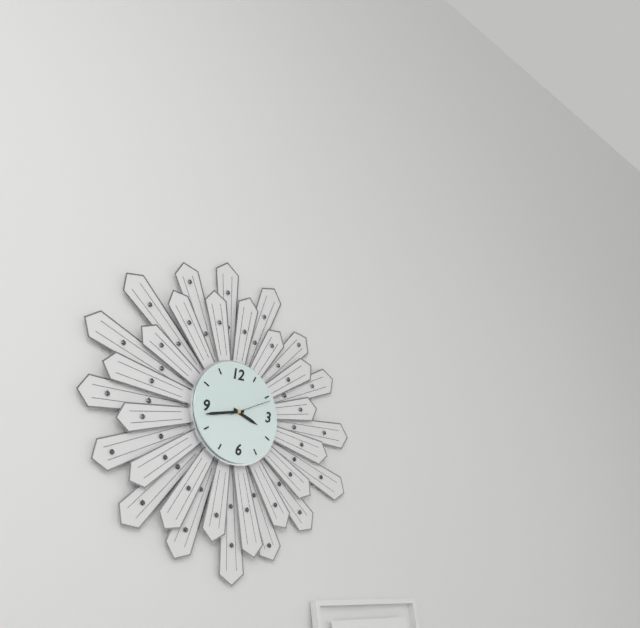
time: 3:43
